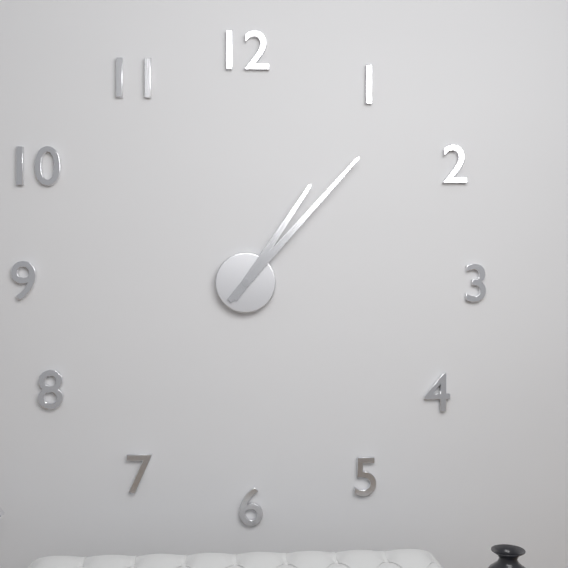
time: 1:07
